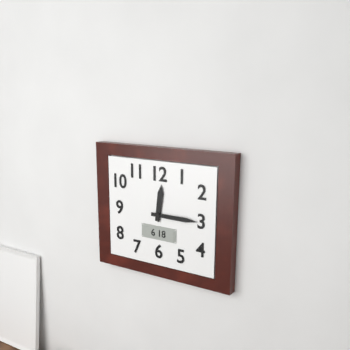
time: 12:15
